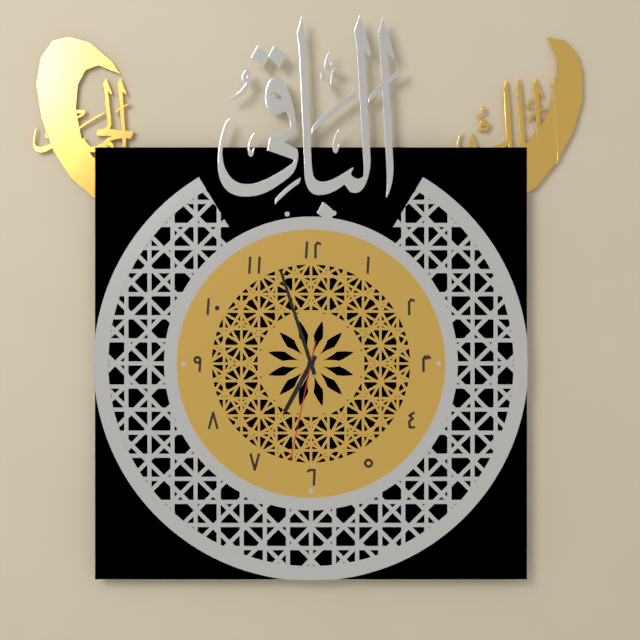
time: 6:57:32
